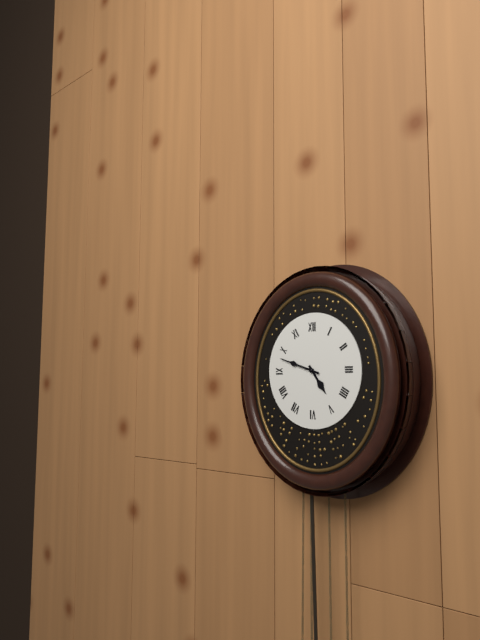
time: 4:48
